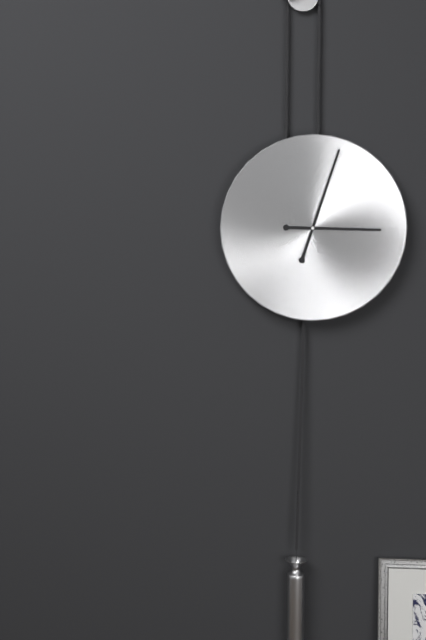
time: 3:03
